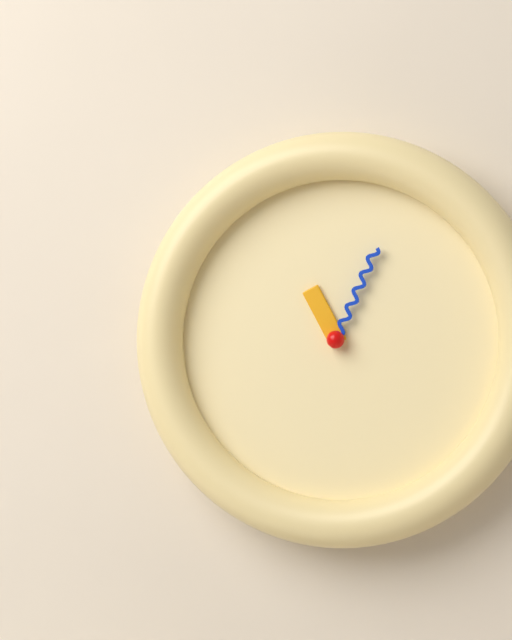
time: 11:04
